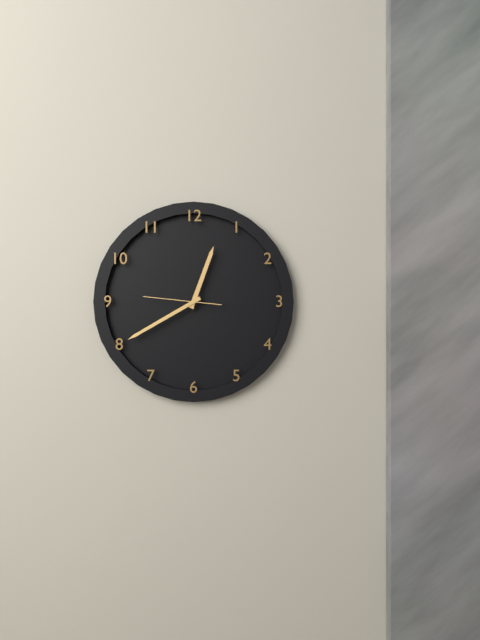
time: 12:40:46
